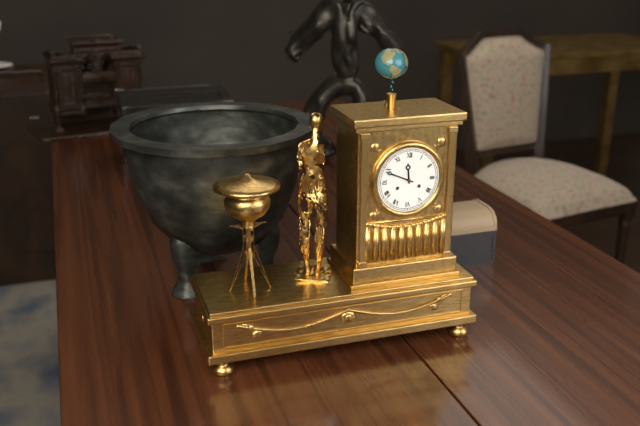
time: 11:49
